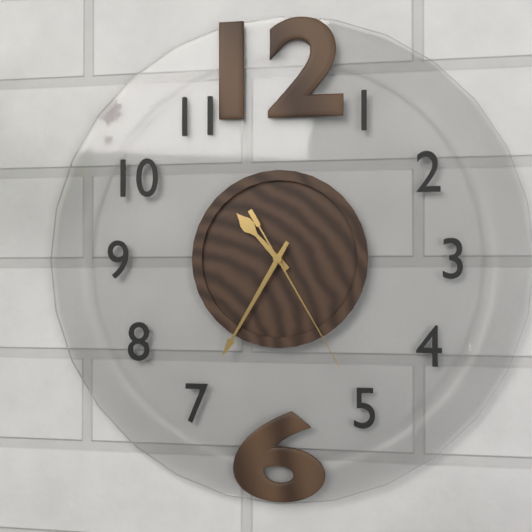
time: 10:35:25
